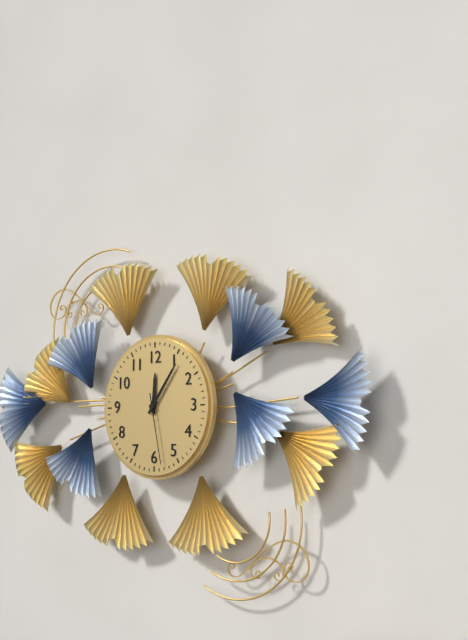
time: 12:06:28
